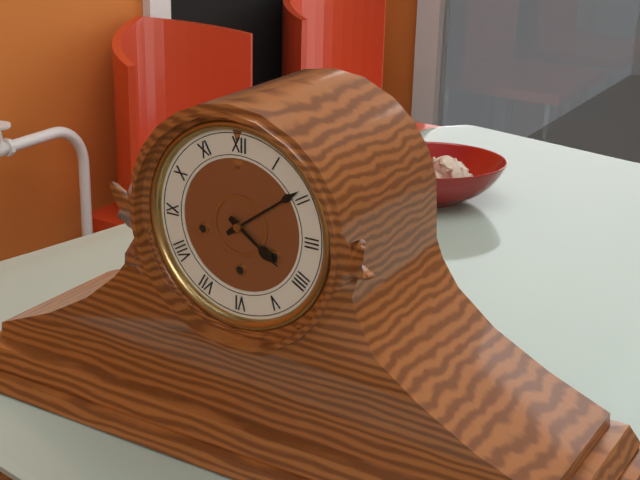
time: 4:09
